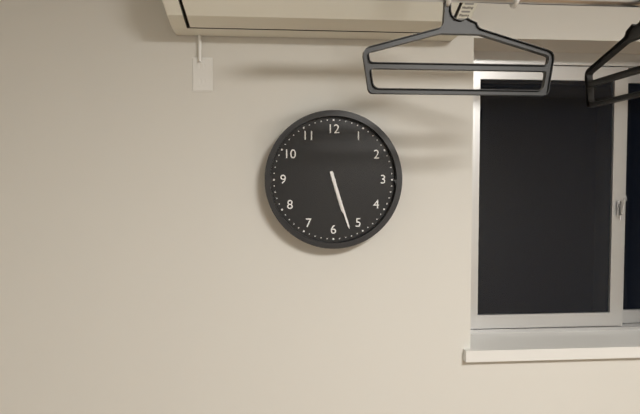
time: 5:27
